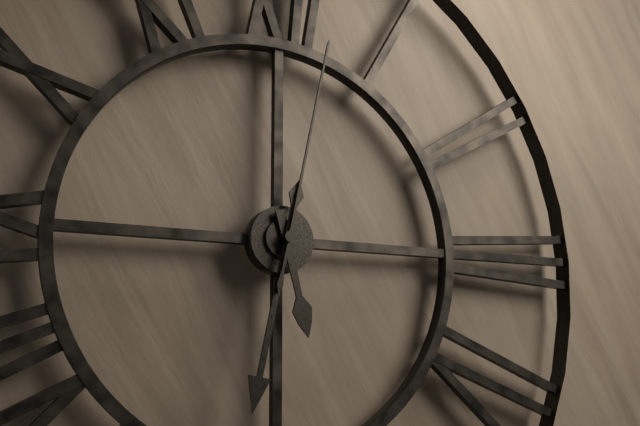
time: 5:32:02
